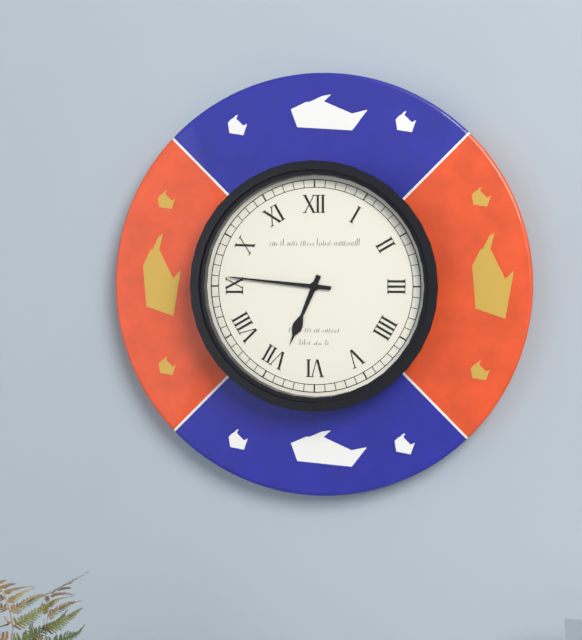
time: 6:46
